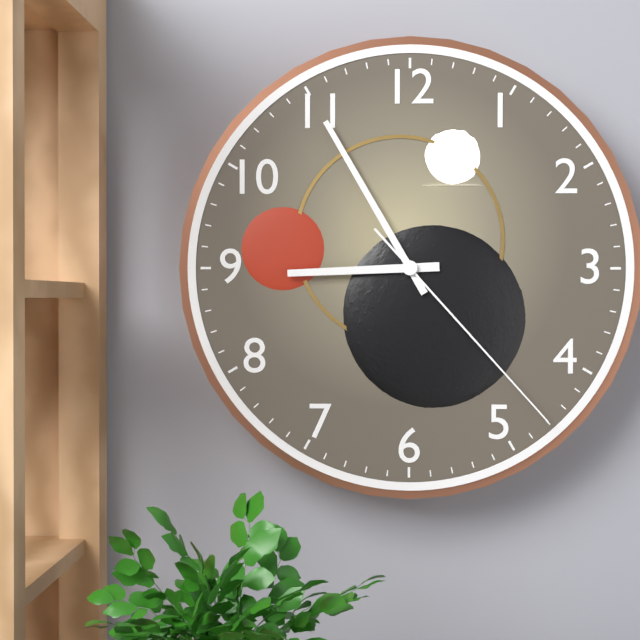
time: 8:55:23
